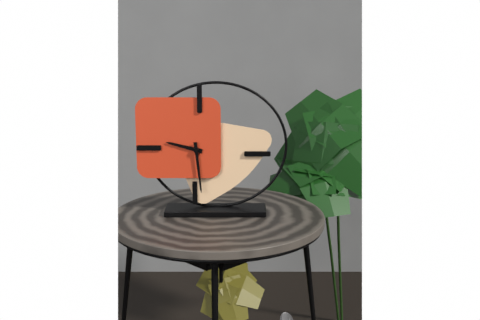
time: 9:29
